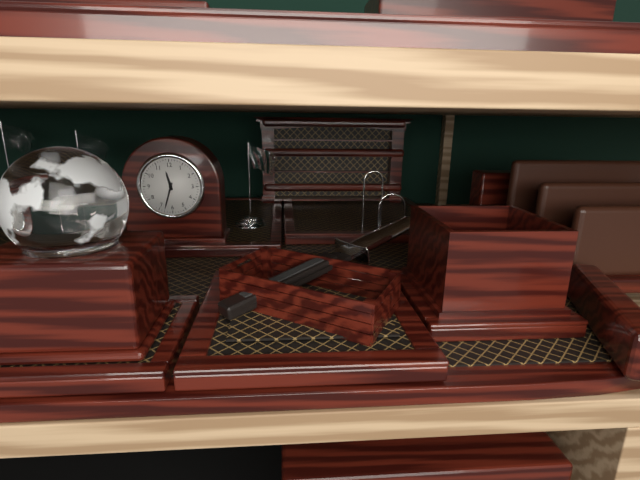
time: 11:33
